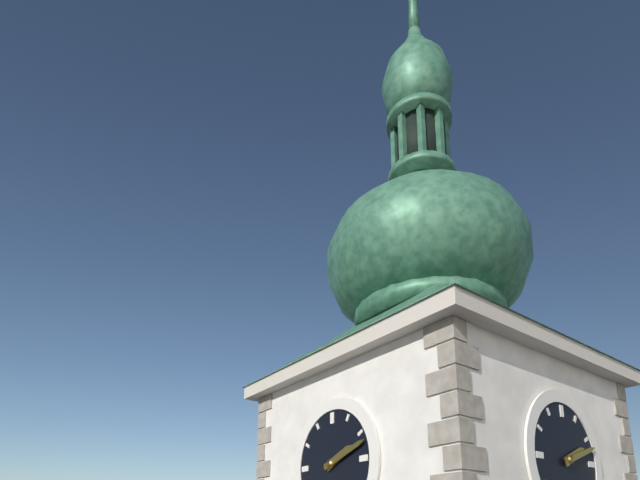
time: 2:12
